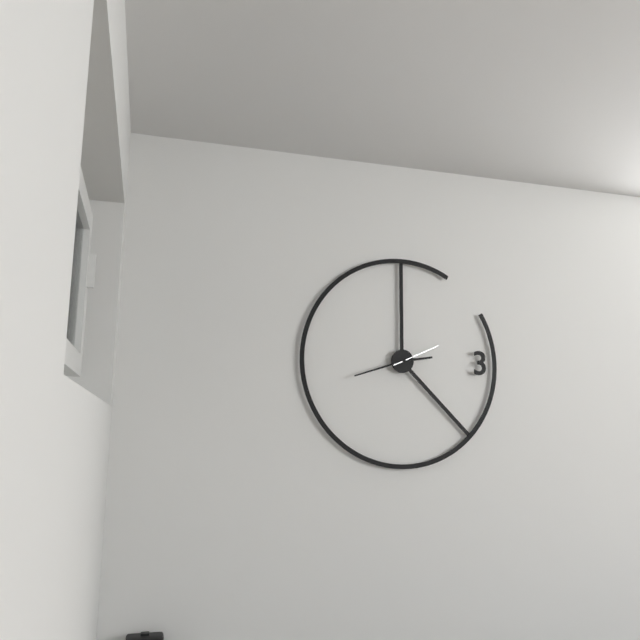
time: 2:42:11
